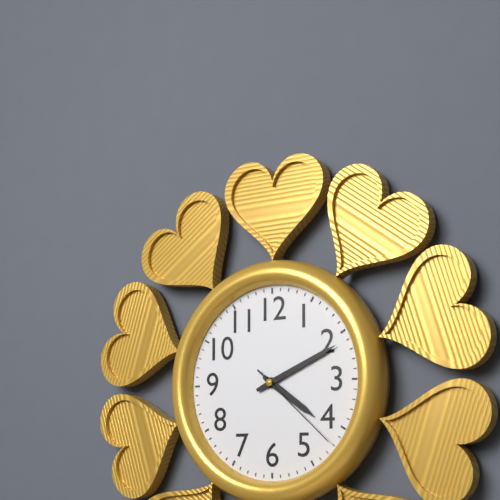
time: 4:11:22
